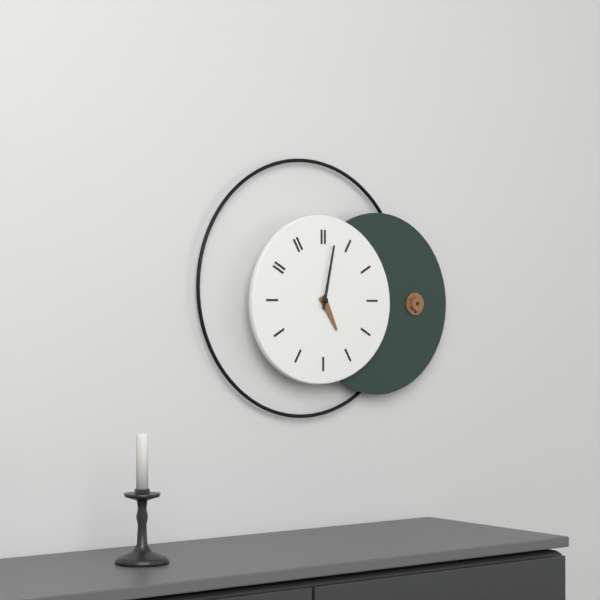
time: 5:02
